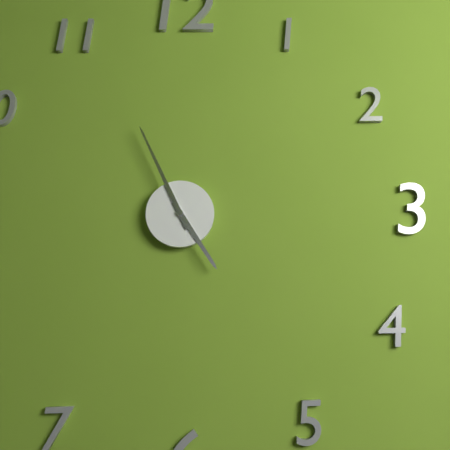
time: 4:56
